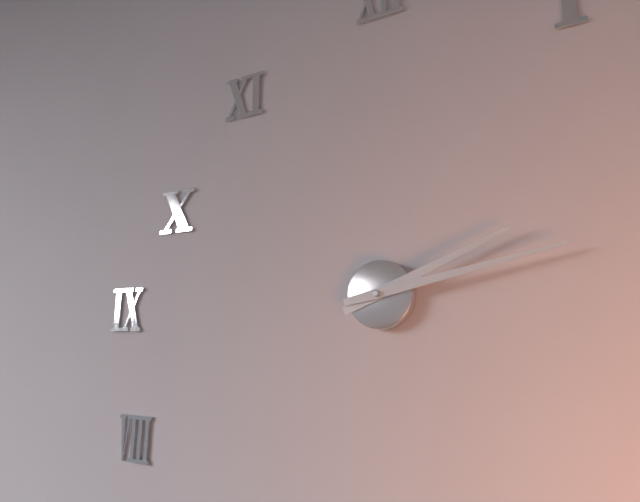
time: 2:13
